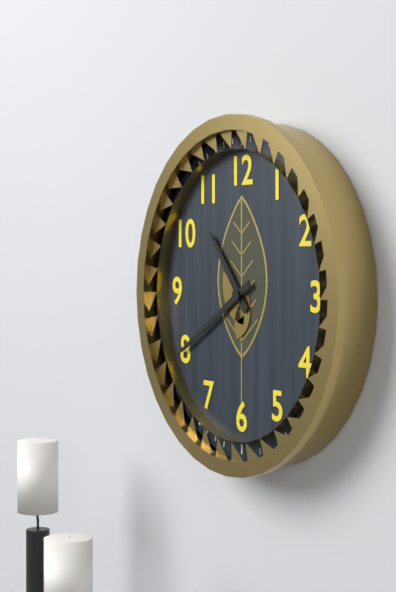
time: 10:40
